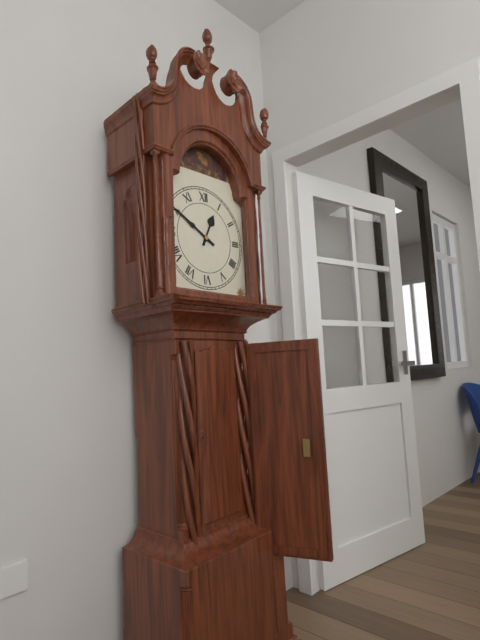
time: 12:50
